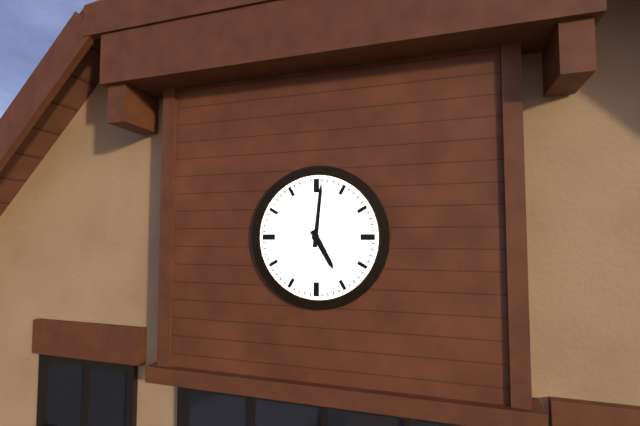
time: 5:01
